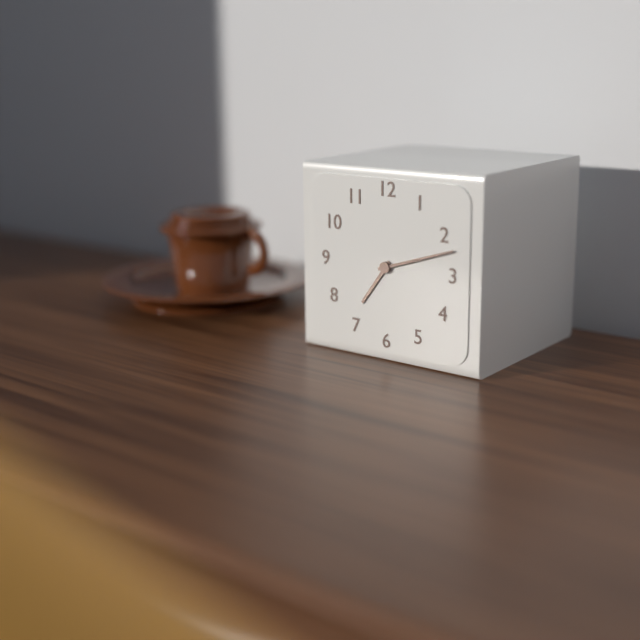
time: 7:12
